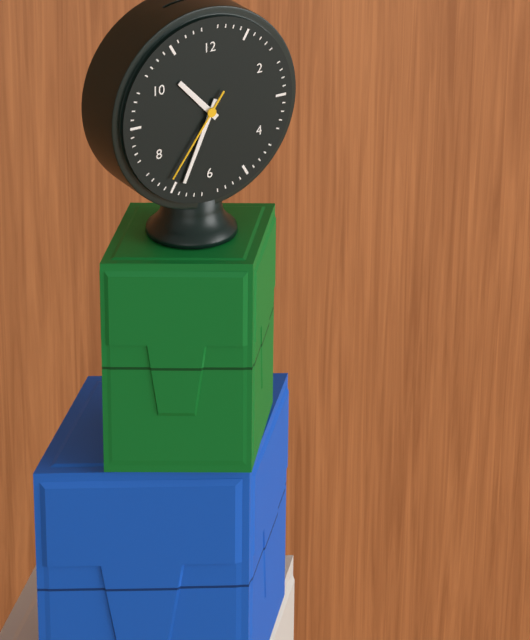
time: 10:34:36
